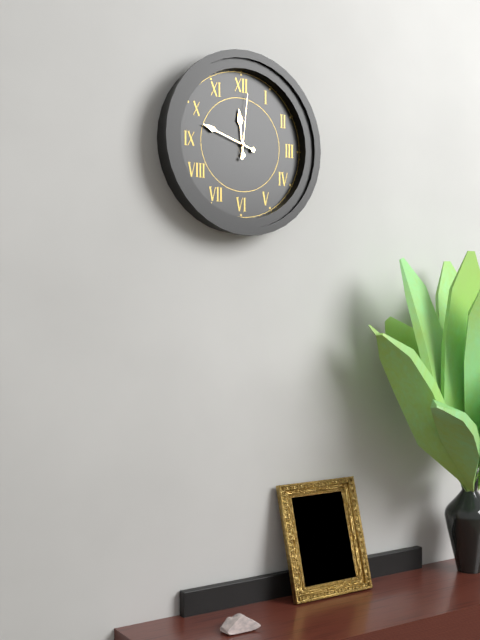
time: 11:48:01
